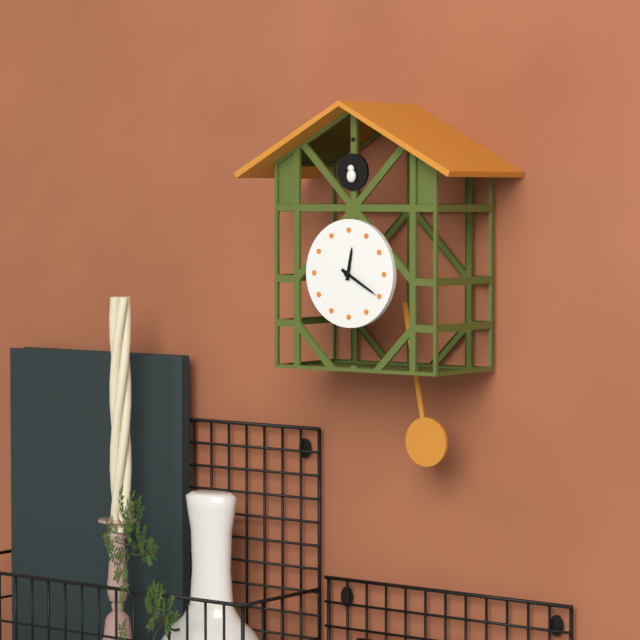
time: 12:20
